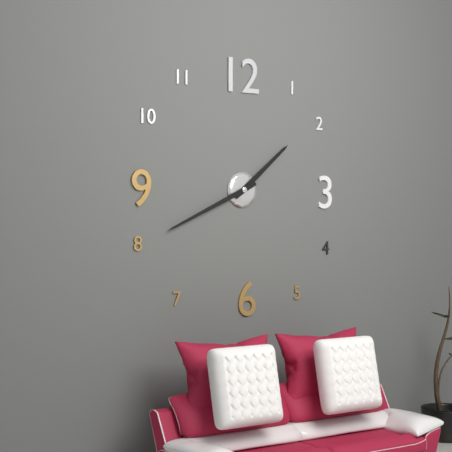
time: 1:41
